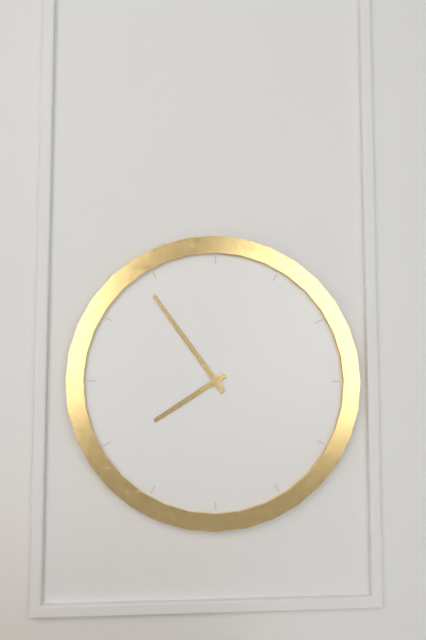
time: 7:54
